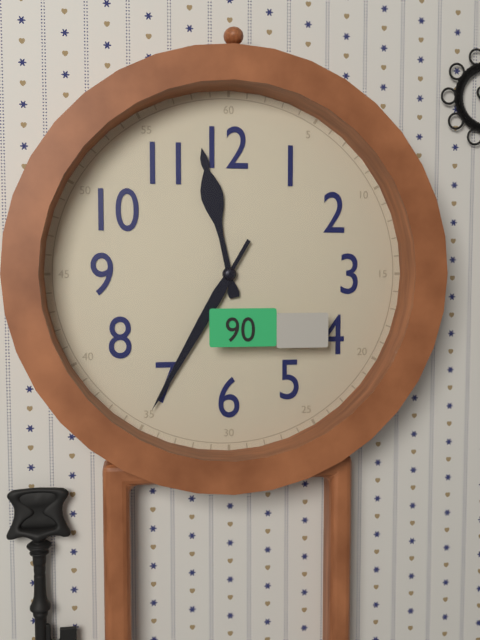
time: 11:35
